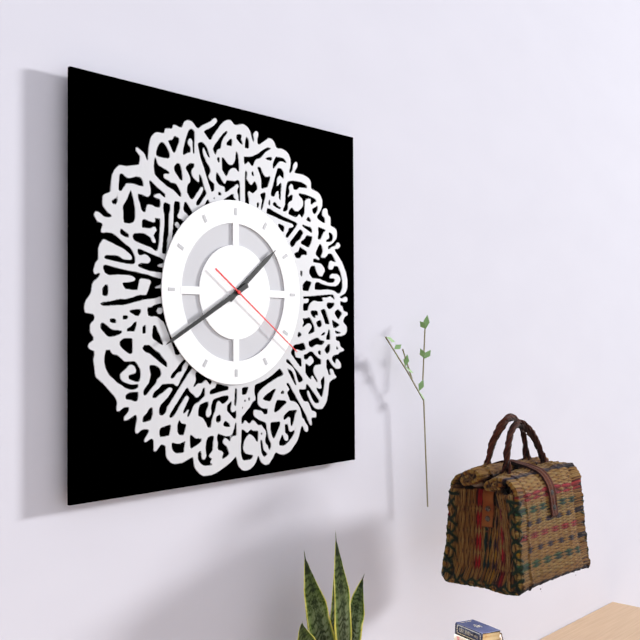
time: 1:40:21
